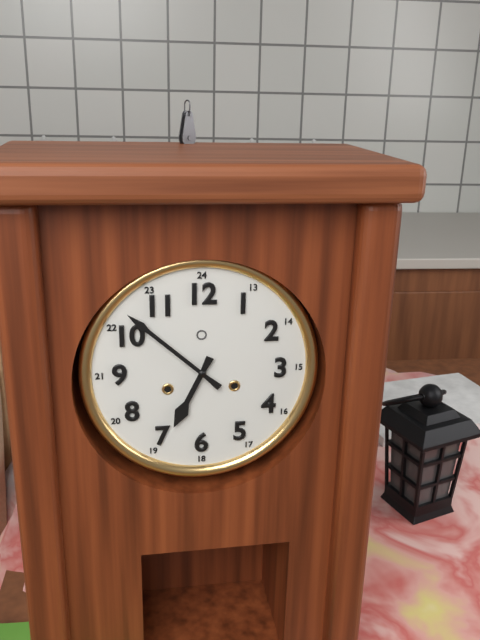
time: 6:52
